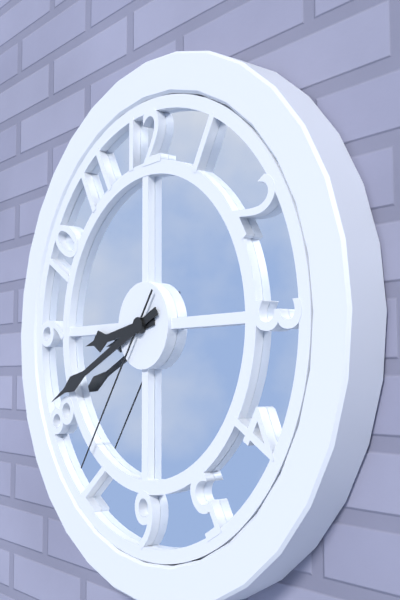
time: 8:41:36
